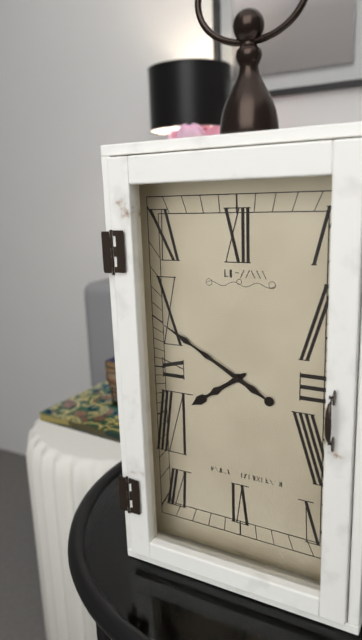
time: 7:50
